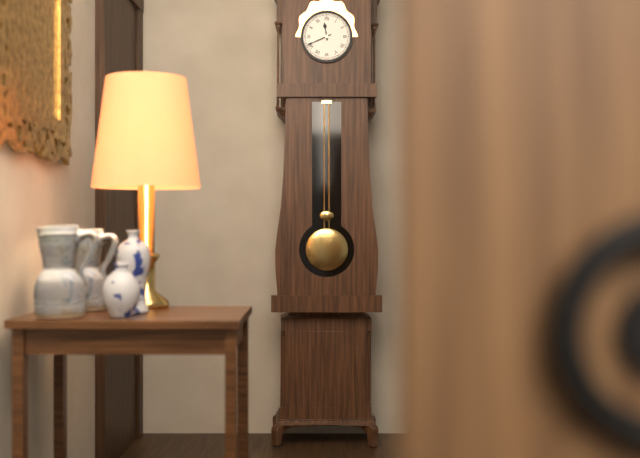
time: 11:41
